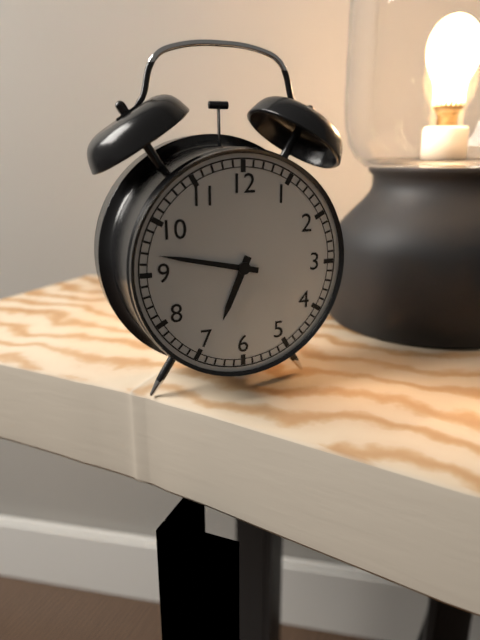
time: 6:47
